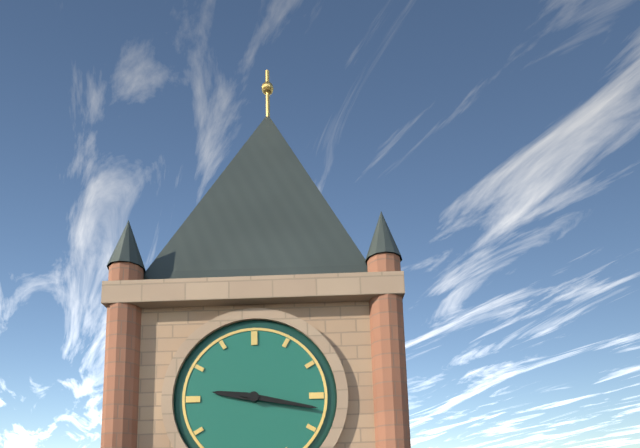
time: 9:17
